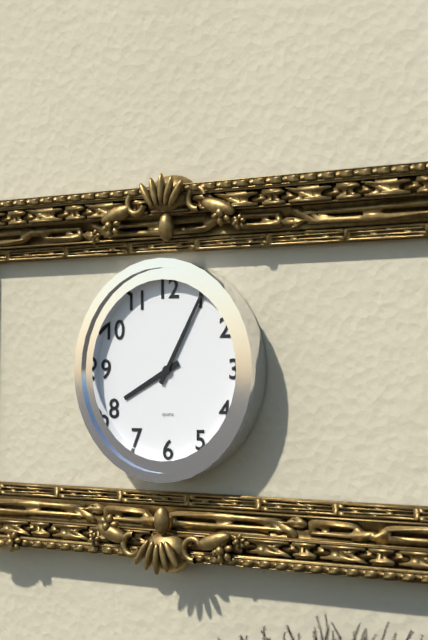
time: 8:05
